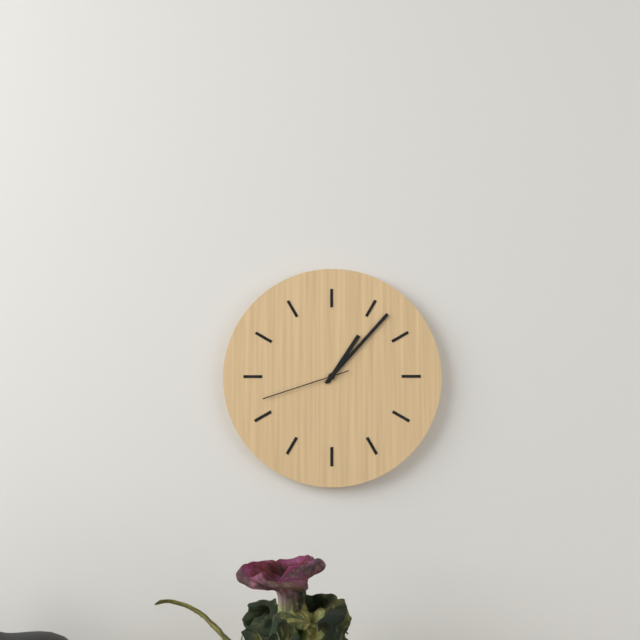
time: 1:07:42
